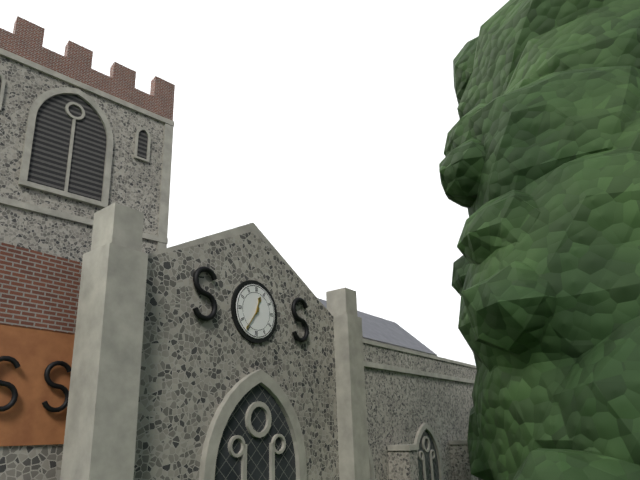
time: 12:36
